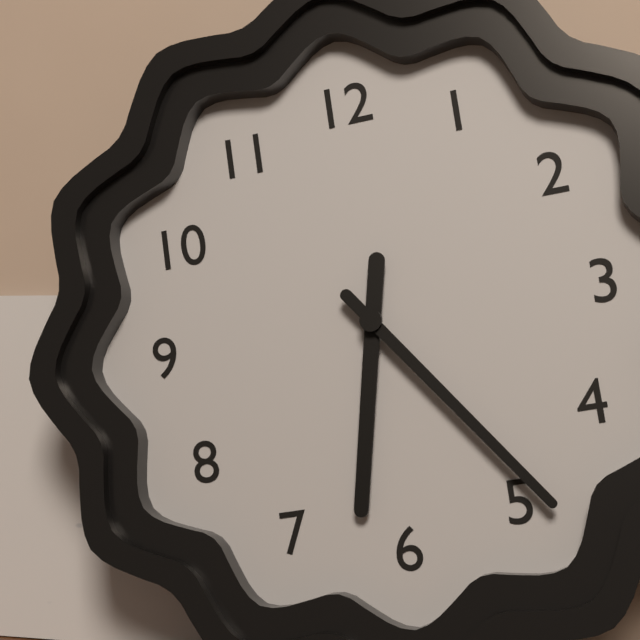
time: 6:24
